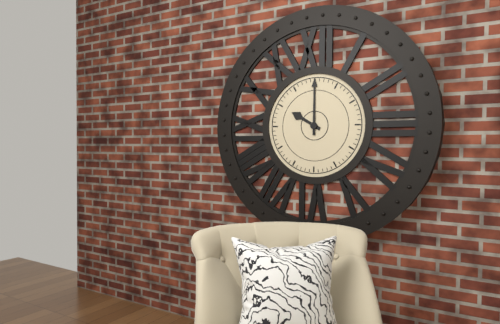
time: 10:00
